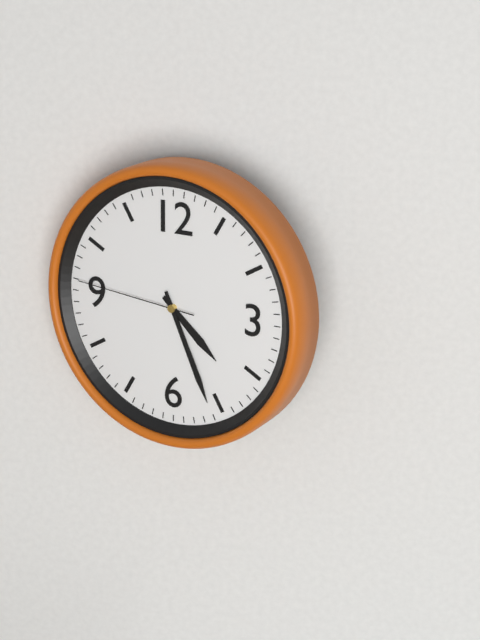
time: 4:26:46
